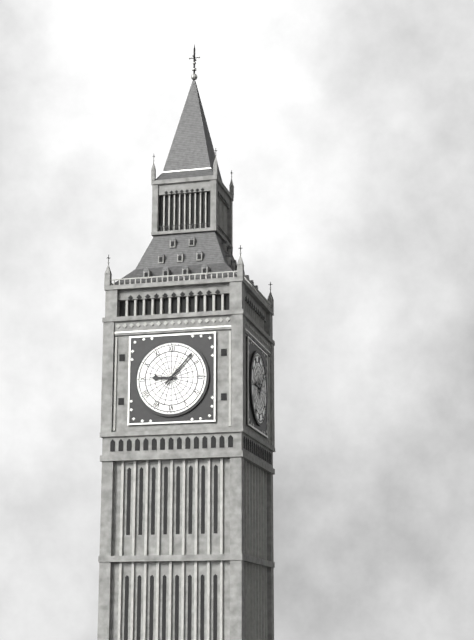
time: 9:07
